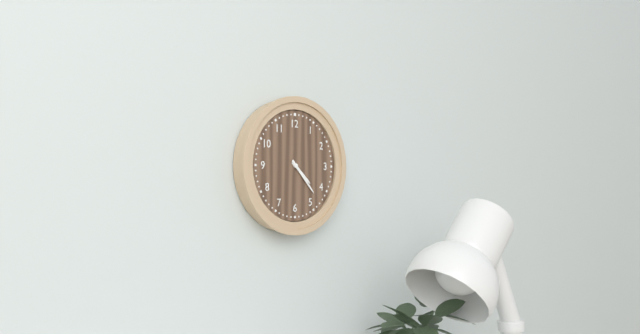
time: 4:23
